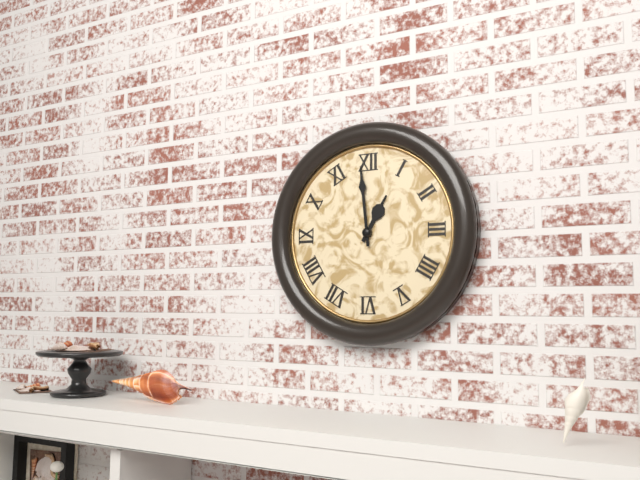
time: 12:59
